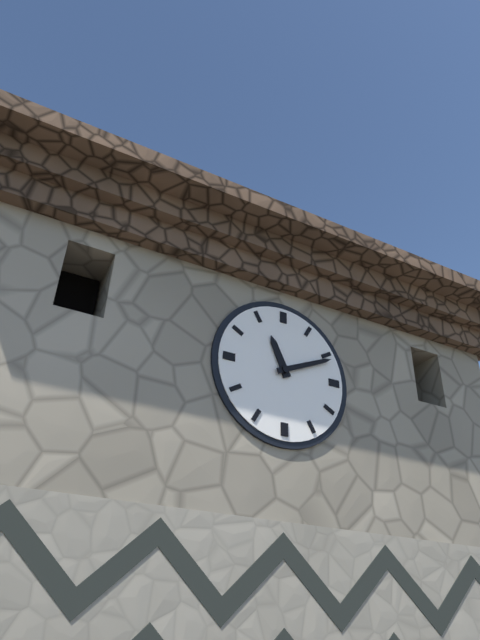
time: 11:11
